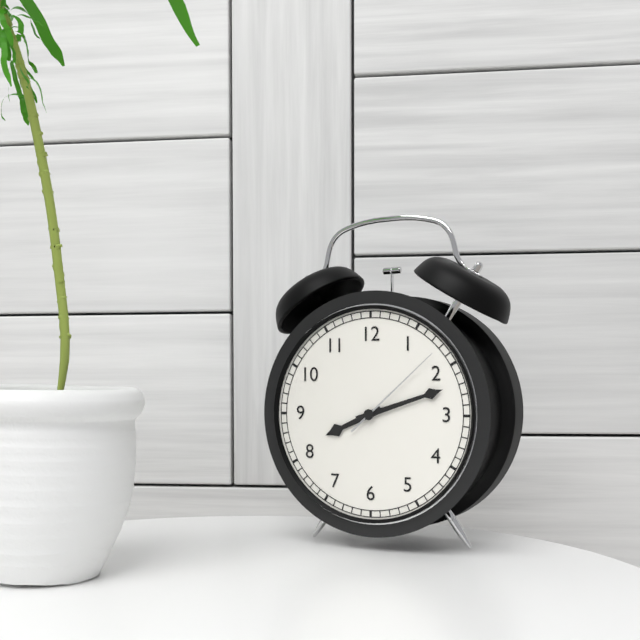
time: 8:12:08
